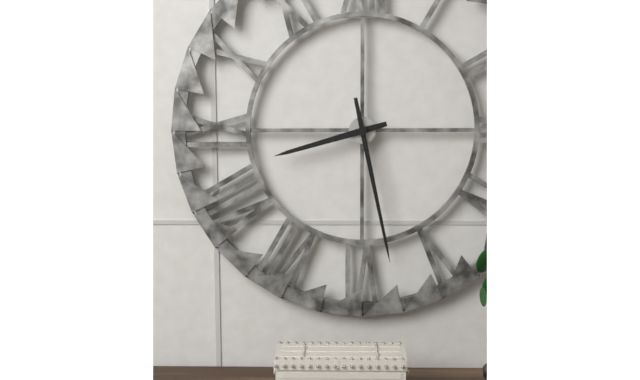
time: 8:28
